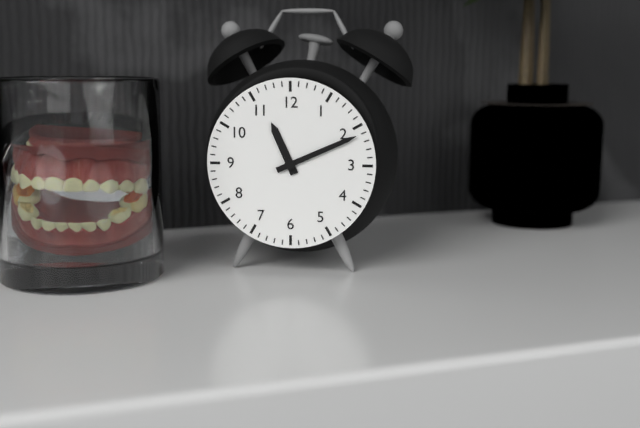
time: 11:11
